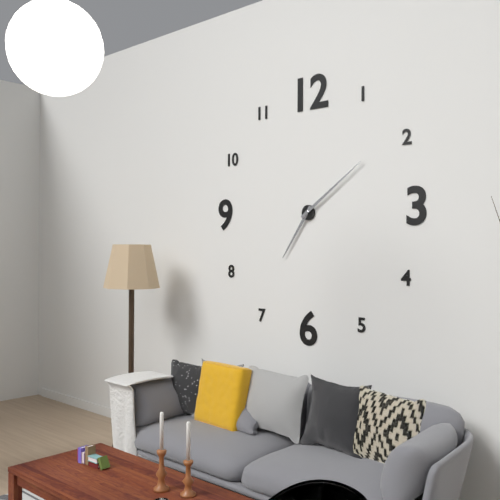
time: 7:09
